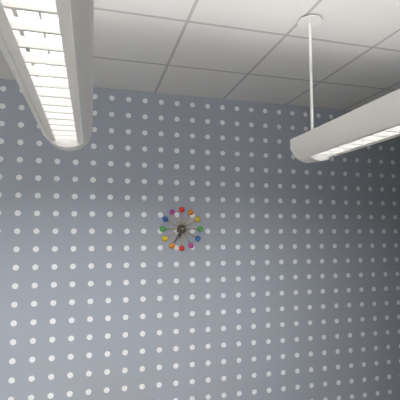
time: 6:35
